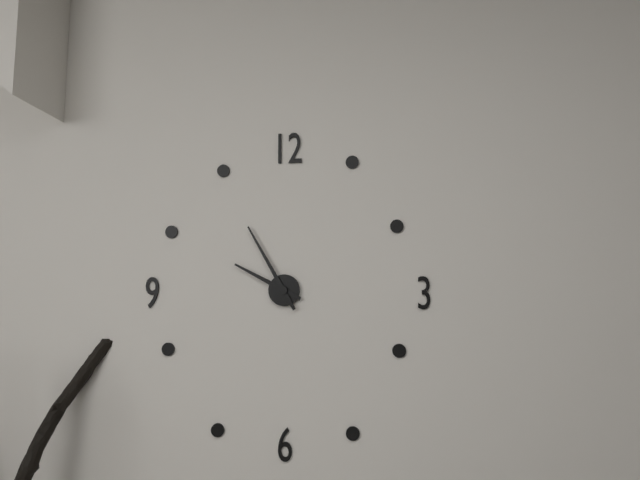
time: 9:55
